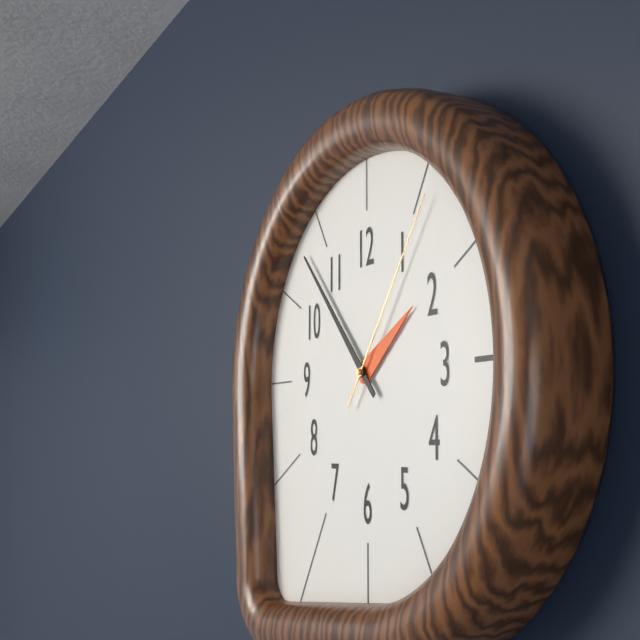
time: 1:53:06
